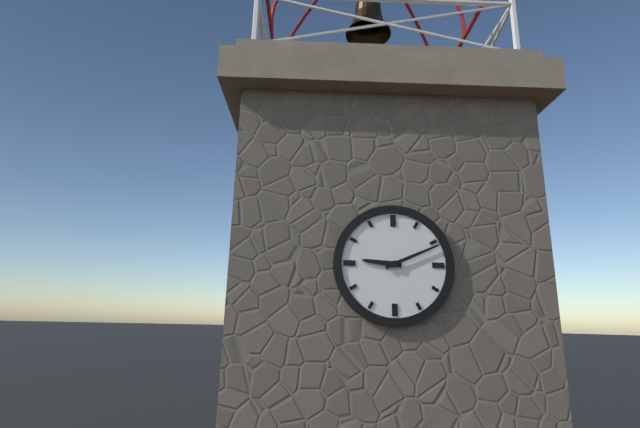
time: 9:11
